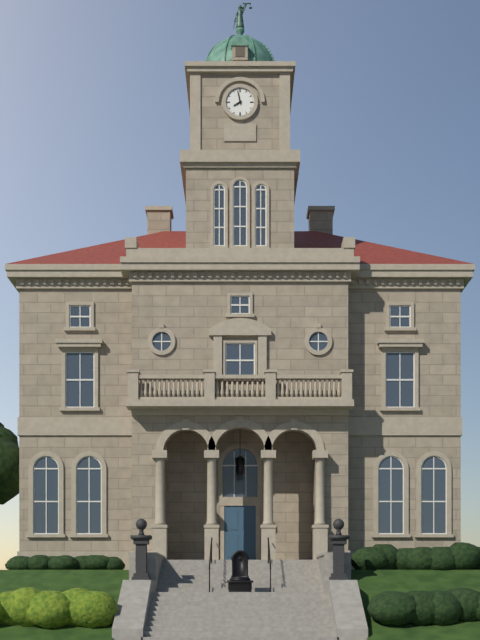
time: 7:58
